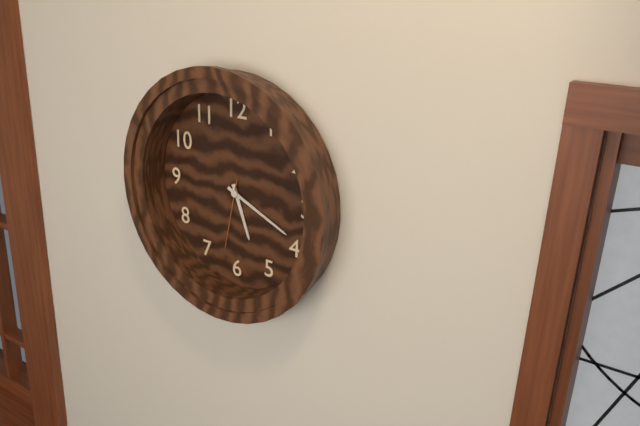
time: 5:19:32
